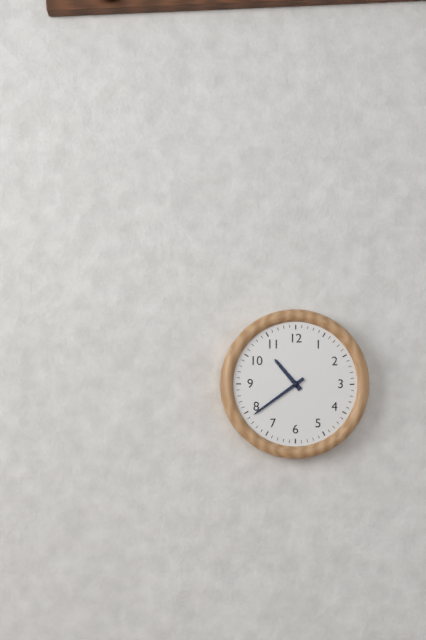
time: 10:39
